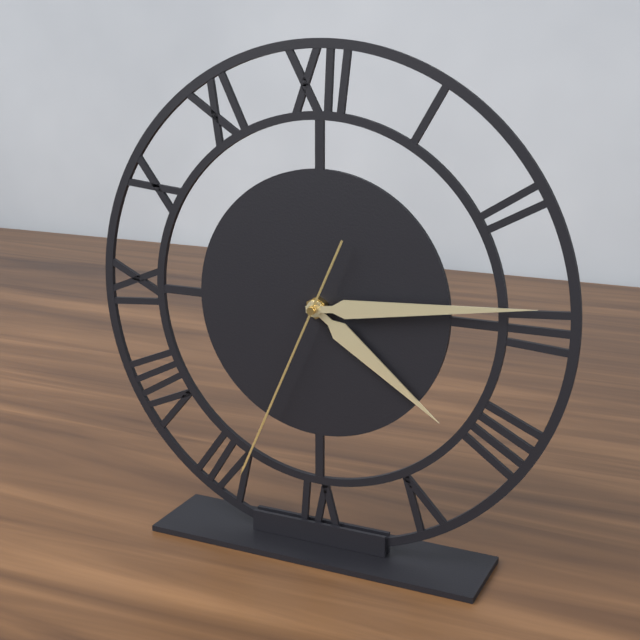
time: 4:14:34
